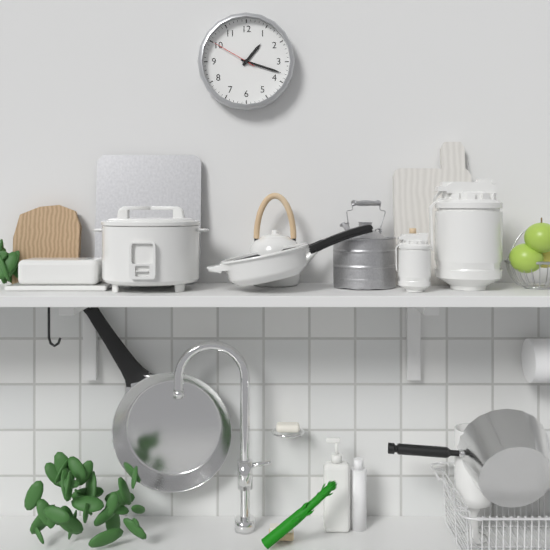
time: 1:18
